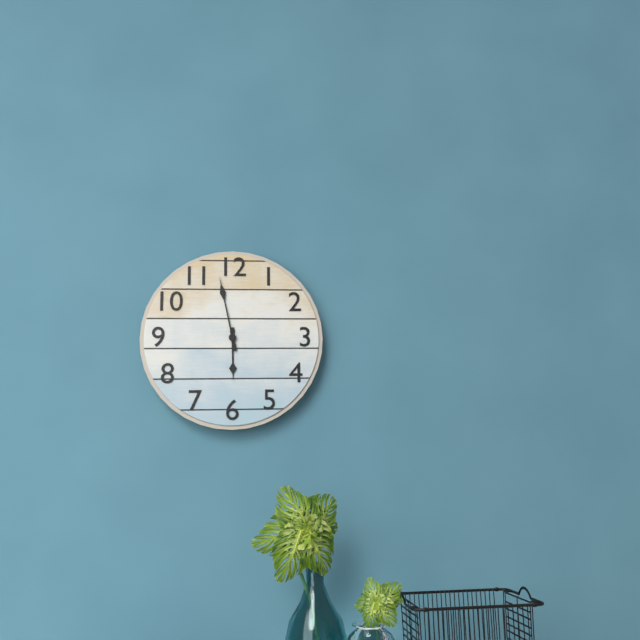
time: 5:58
